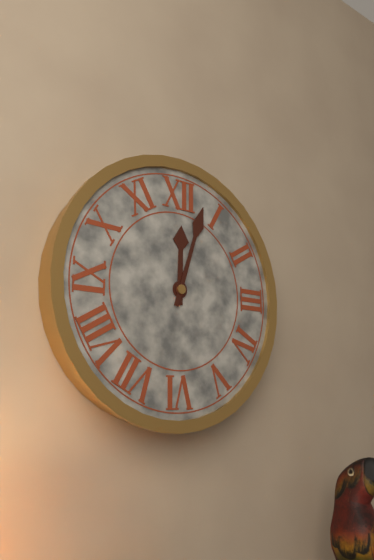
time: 12:03
